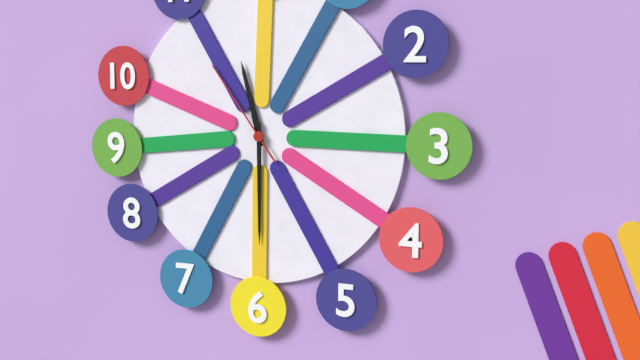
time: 11:30:54
